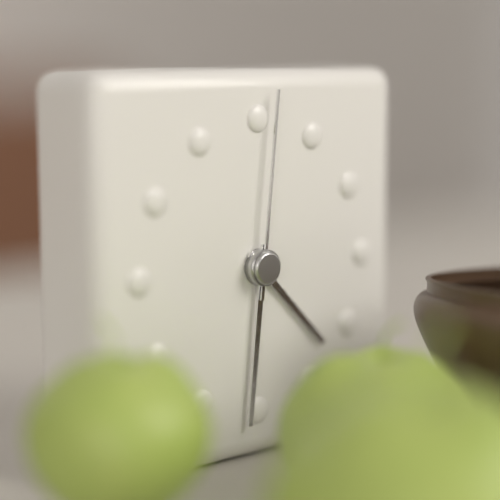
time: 4:31:01
